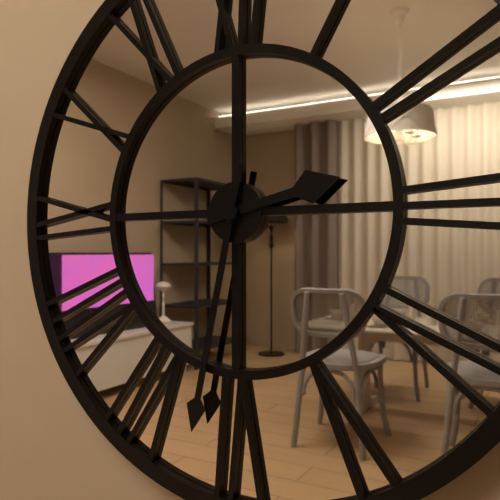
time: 2:32
